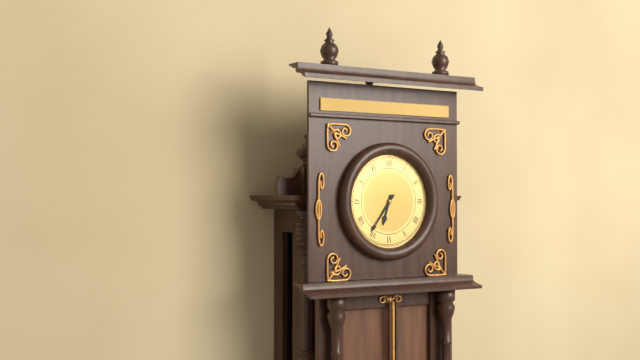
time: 6:36
